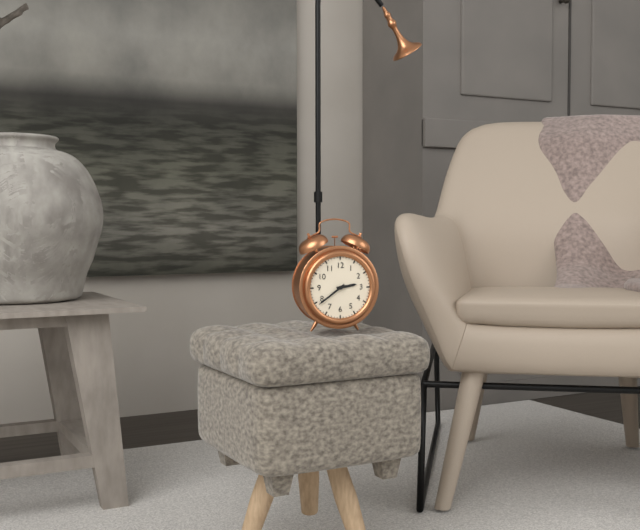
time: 2:39
